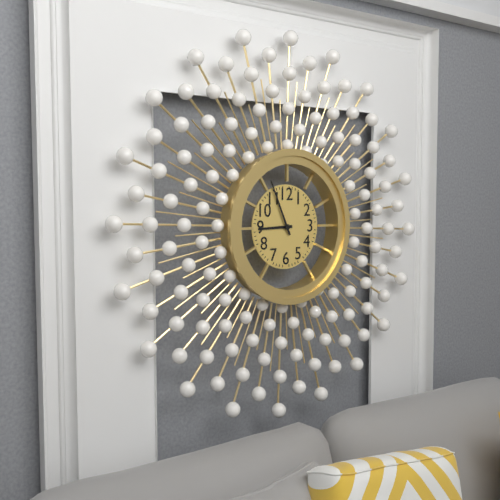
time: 8:56
